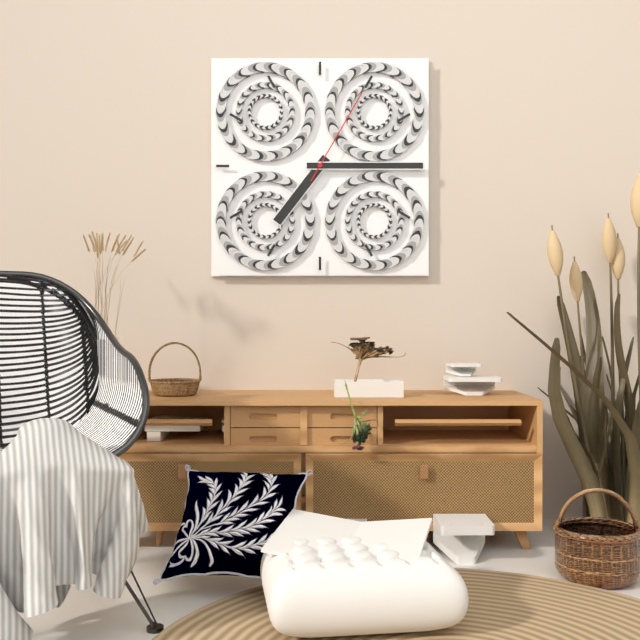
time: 7:15:05
